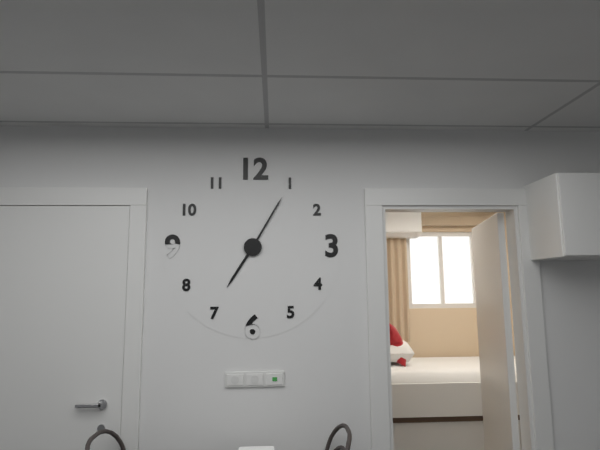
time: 7:05
